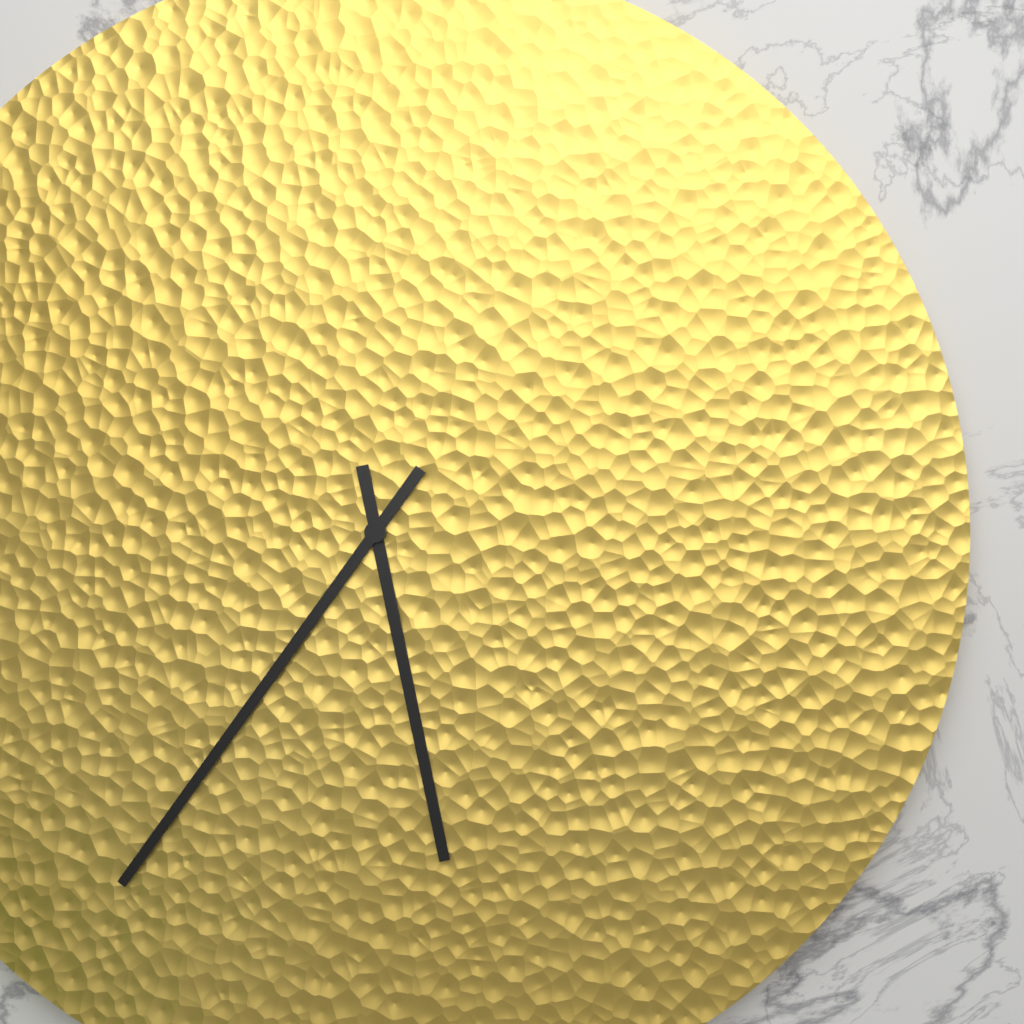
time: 5:36
